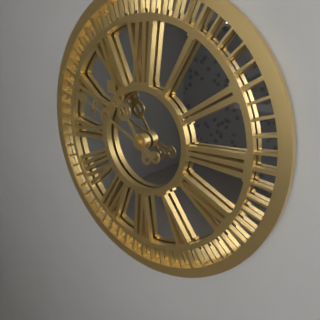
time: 10:49
